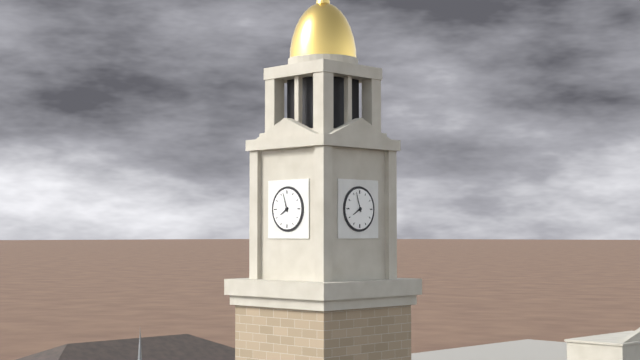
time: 7:57
